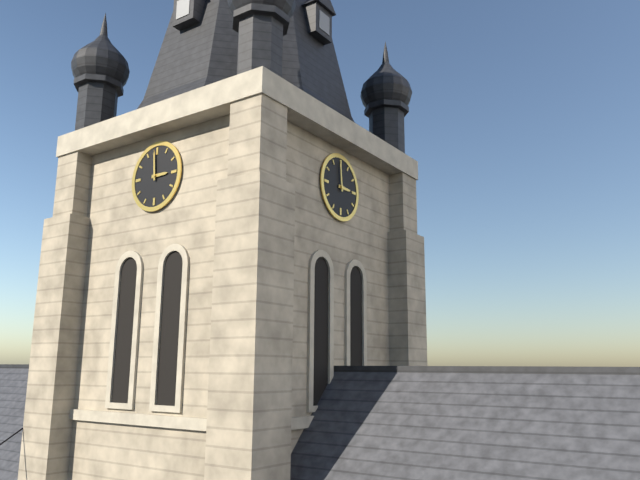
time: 2:59
